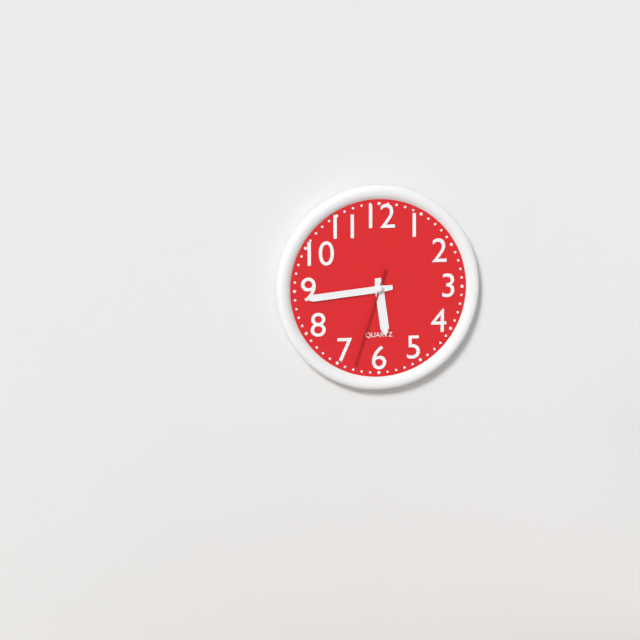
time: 5:44:33
